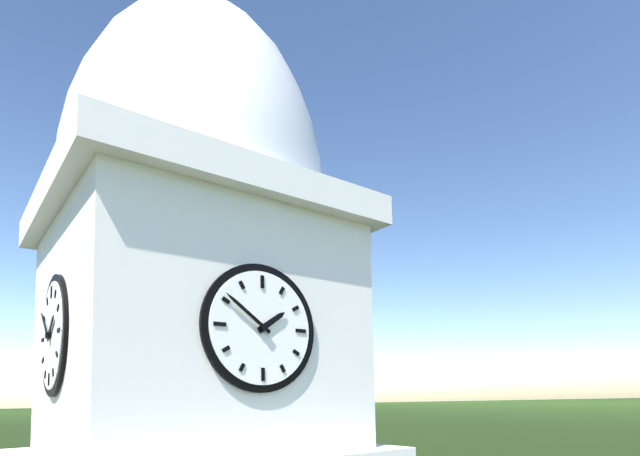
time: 1:51
